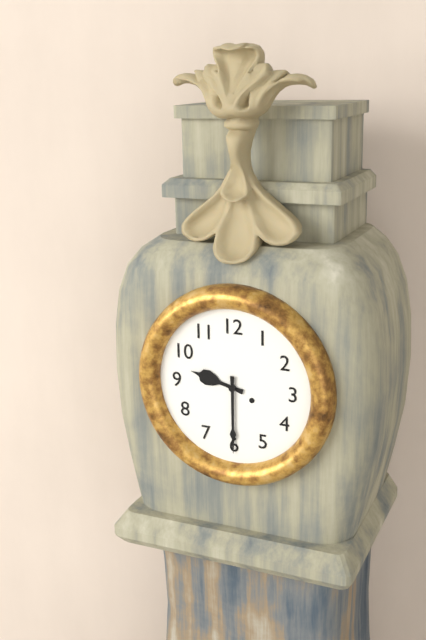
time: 9:30
